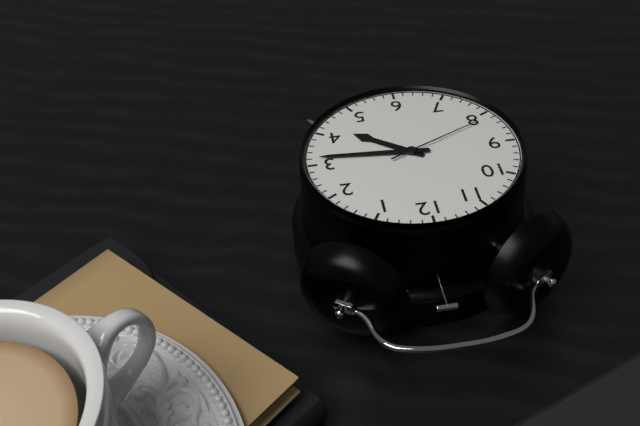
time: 4:16:41
